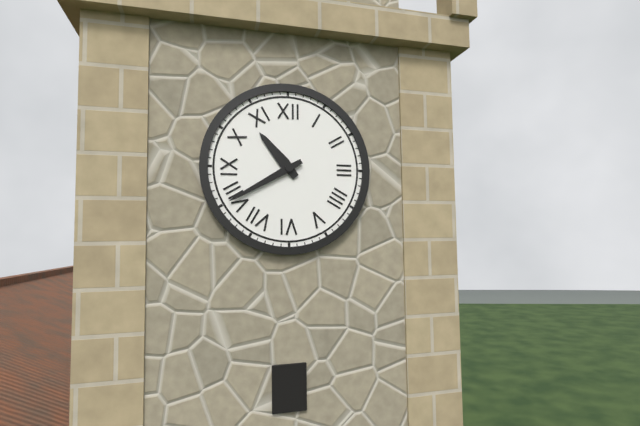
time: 10:40
